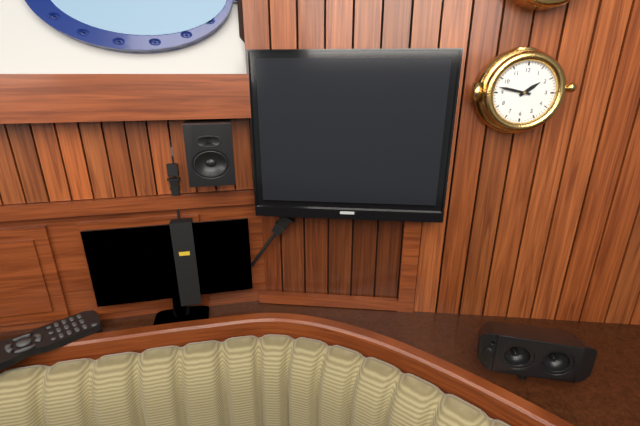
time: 1:47
